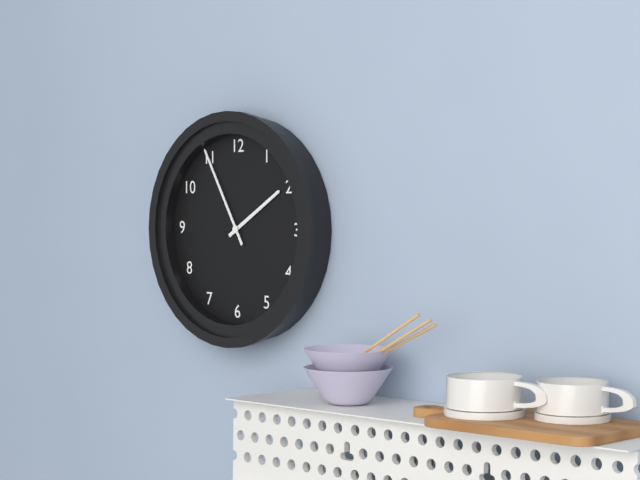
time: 1:55
